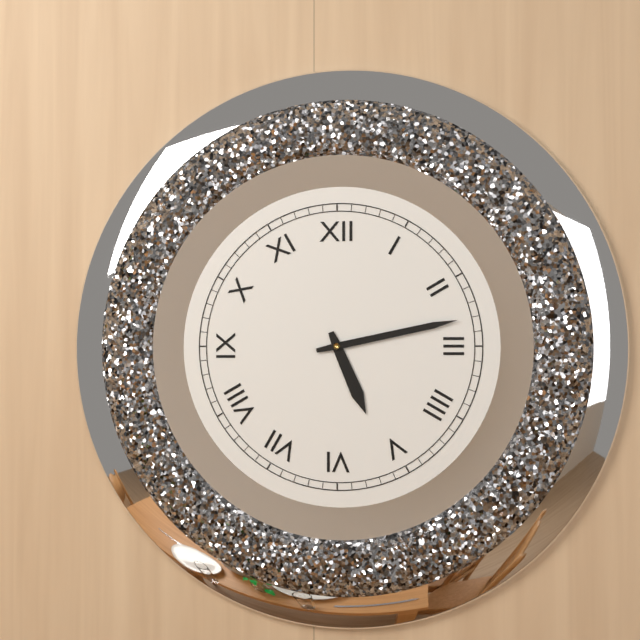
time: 5:13
